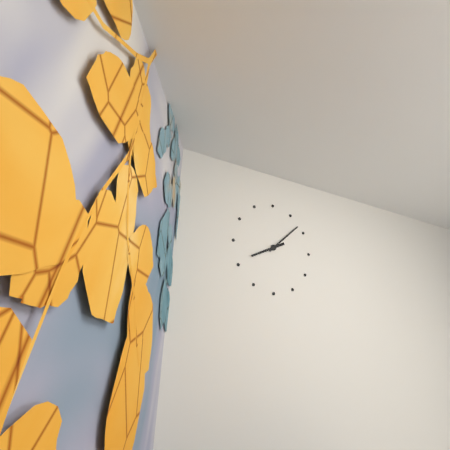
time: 8:08
